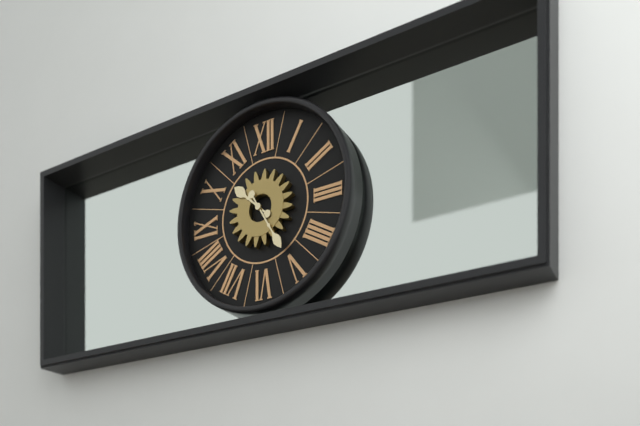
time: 10:25
